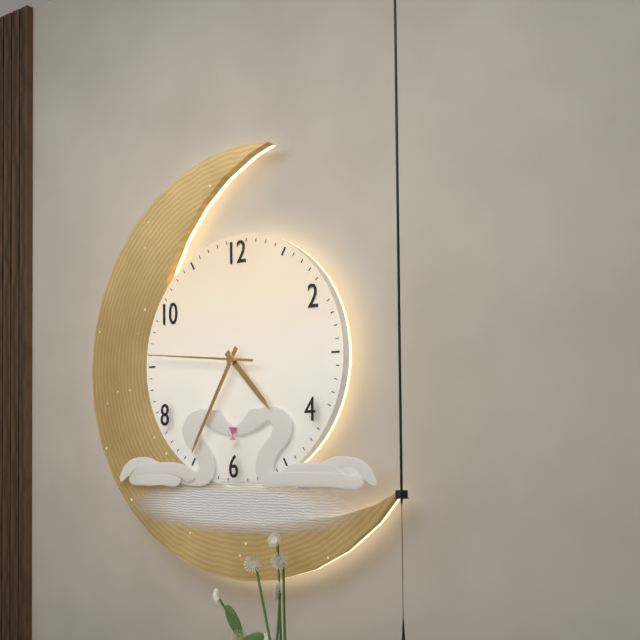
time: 4:35:46
